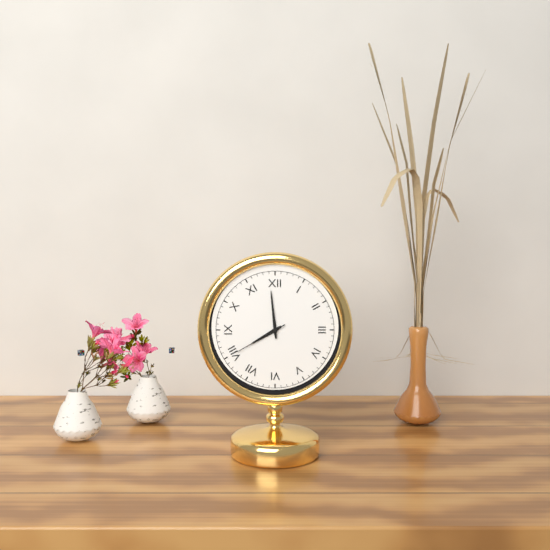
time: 7:59:40
